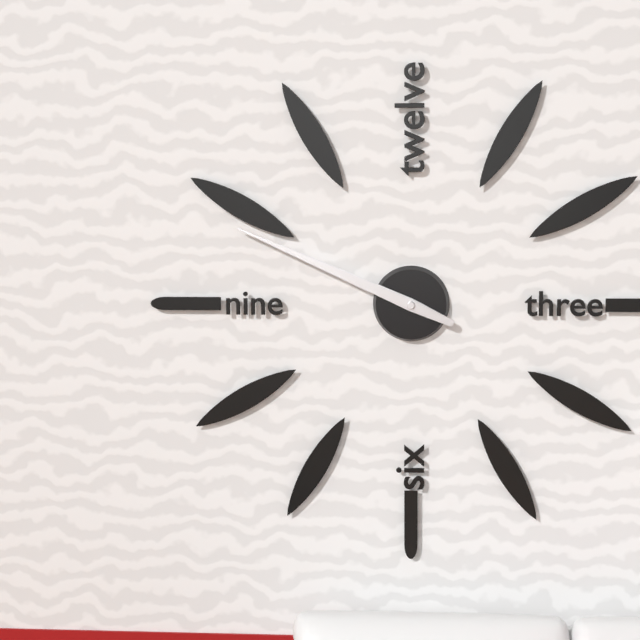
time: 9:49
